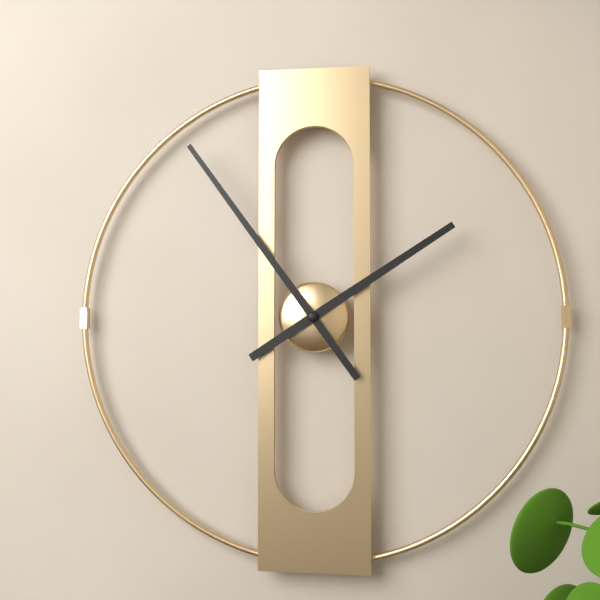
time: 1:54
